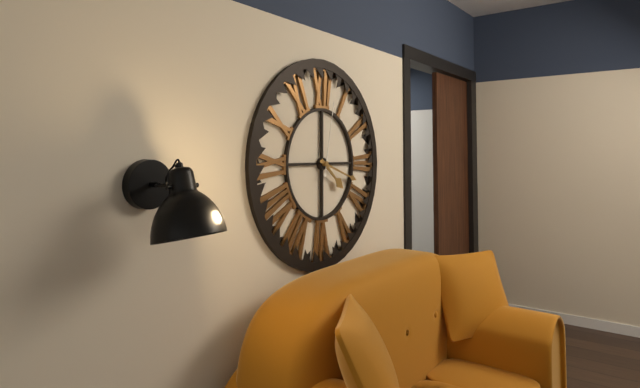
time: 4:18:02
